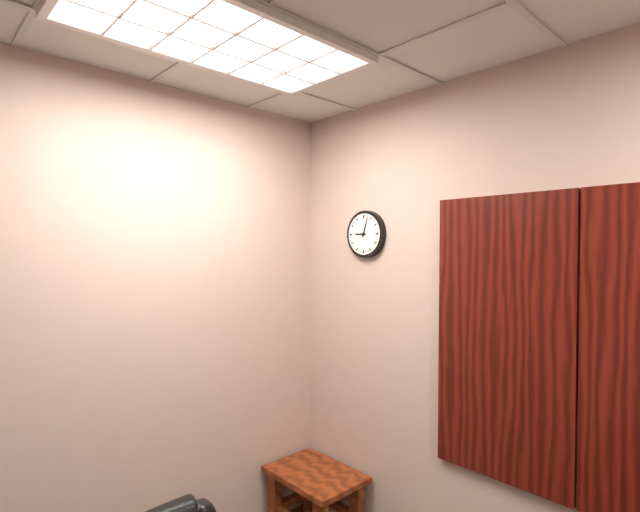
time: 9:03
